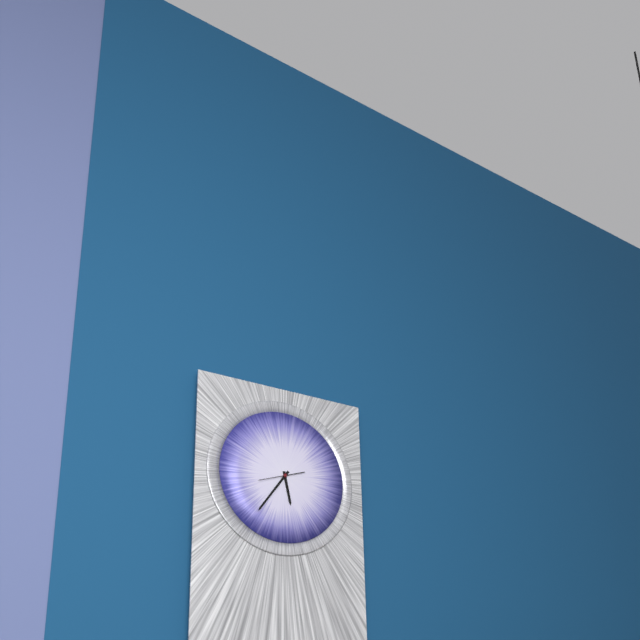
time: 5:36
